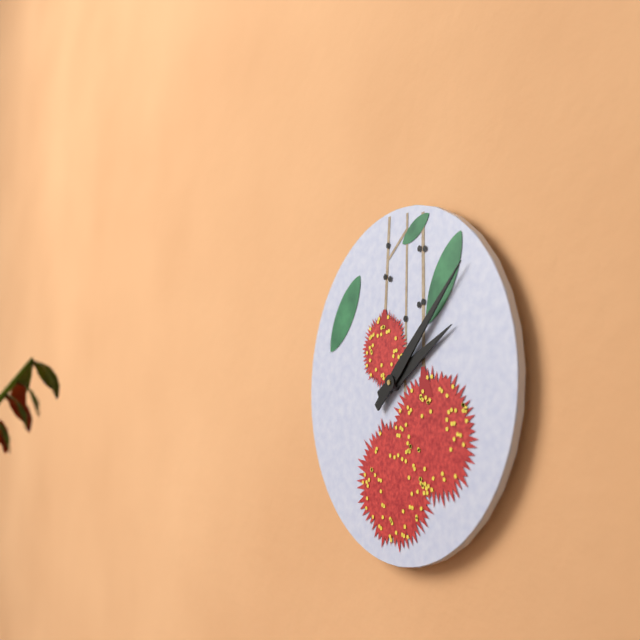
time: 2:08
